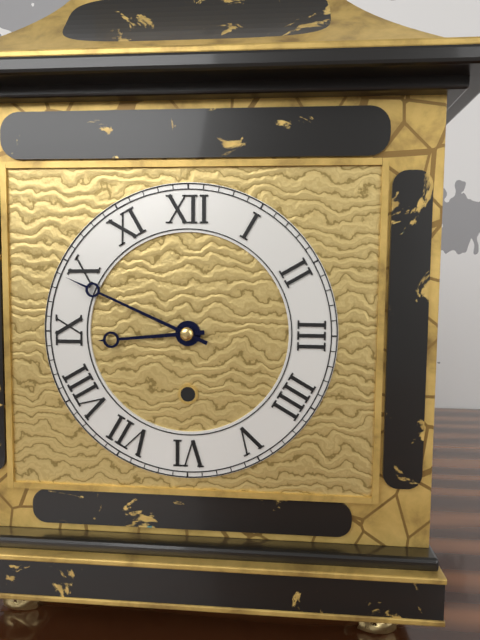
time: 8:49
